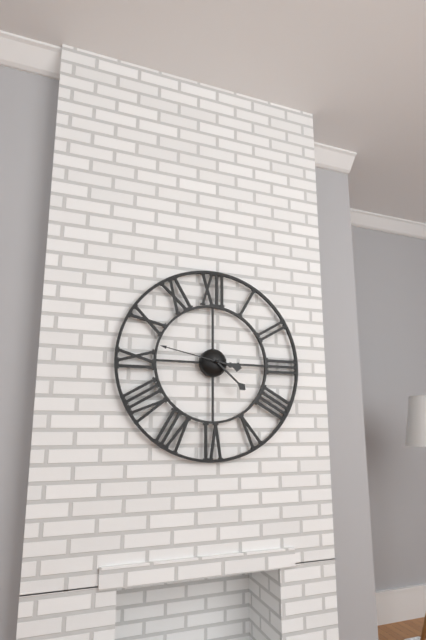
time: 3:22:47
